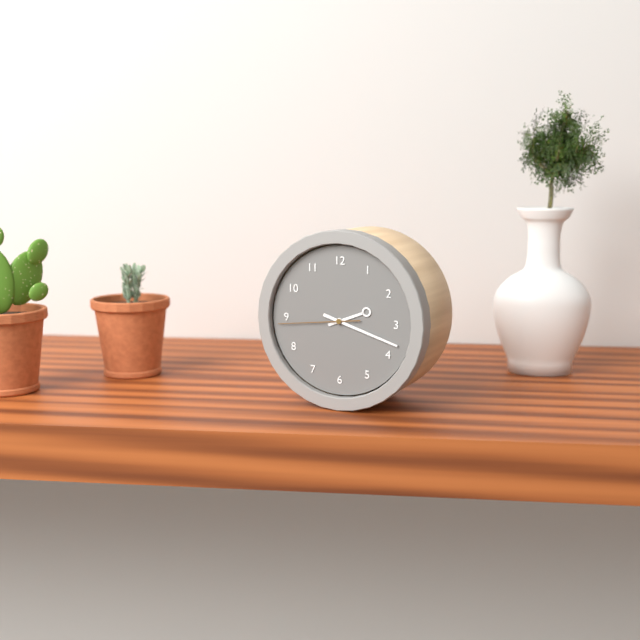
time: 2:18:44
